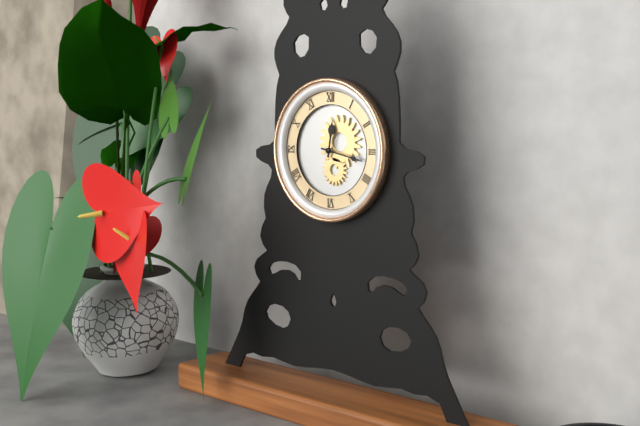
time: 12:17
